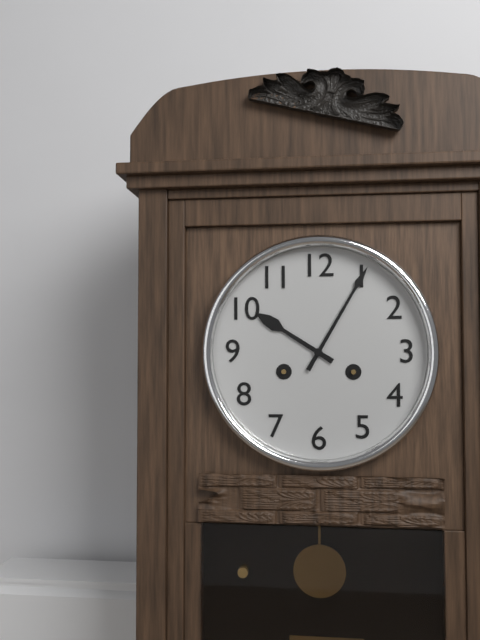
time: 10:05
